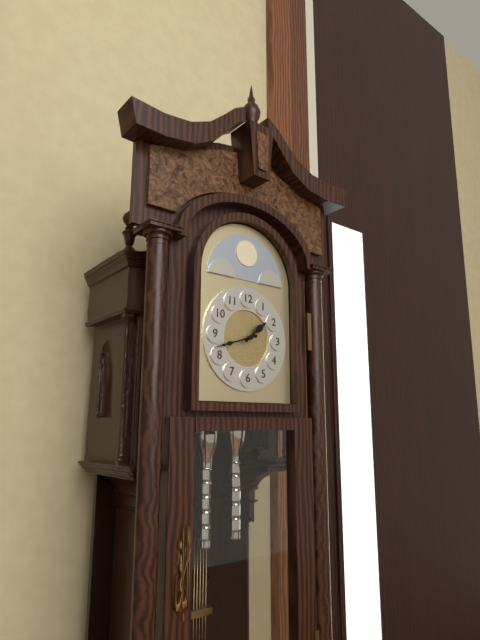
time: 1:42
